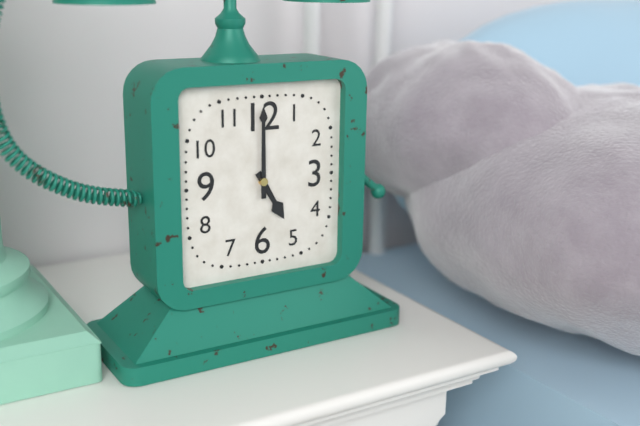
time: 5:00
